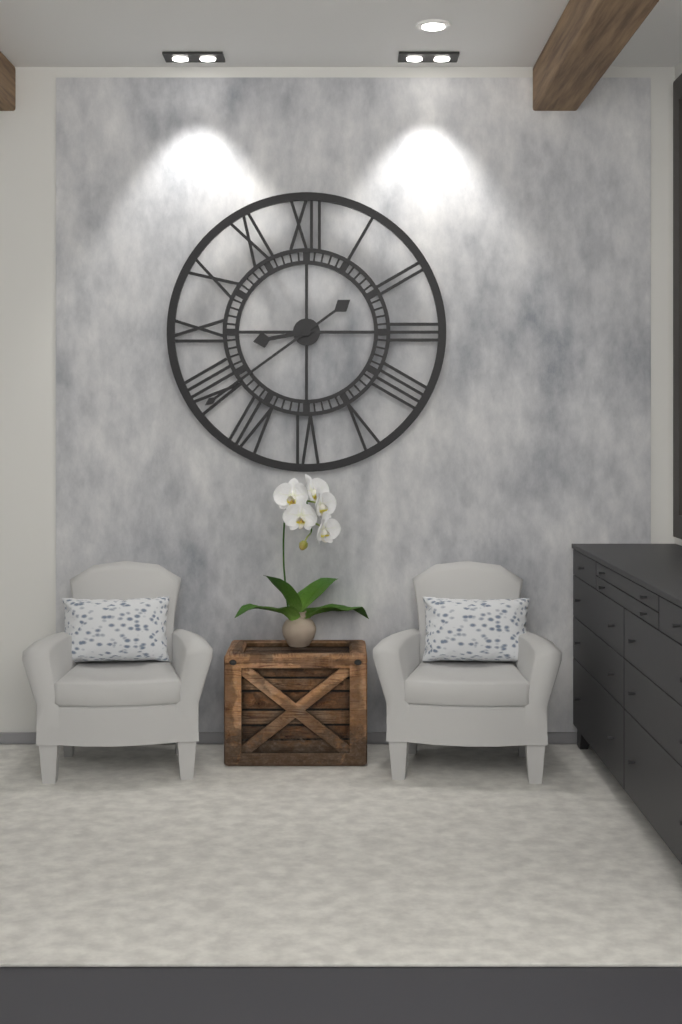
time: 8:39
